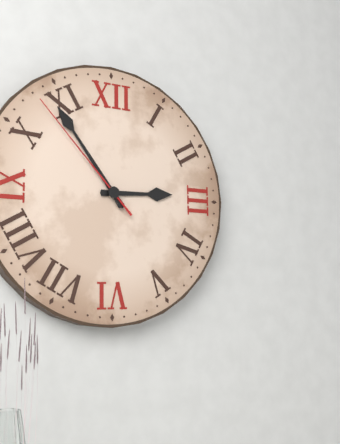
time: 2:54:53
